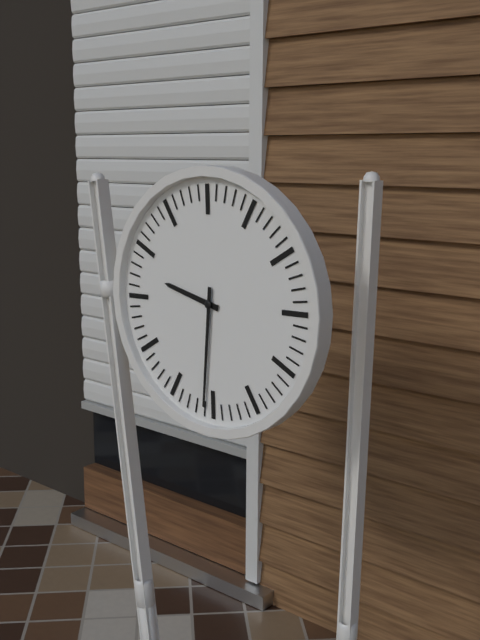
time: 9:31
